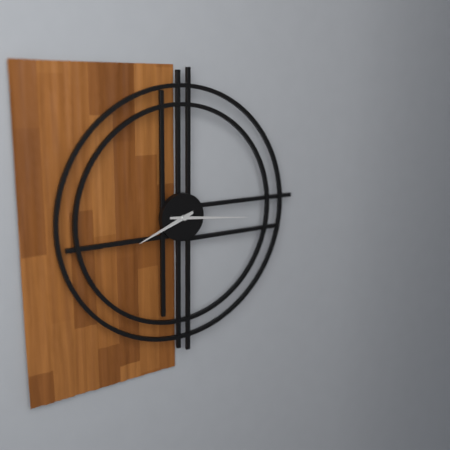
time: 8:16
